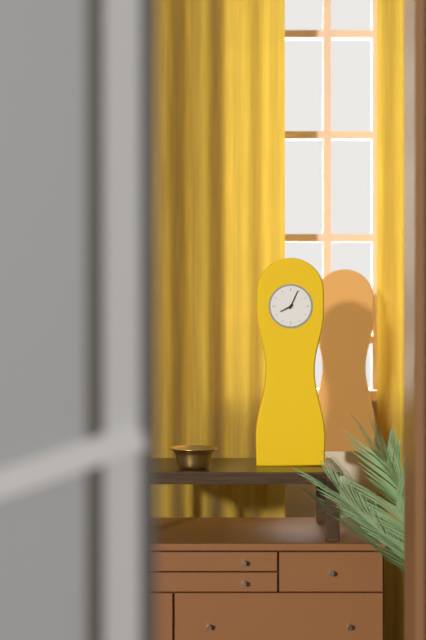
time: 8:04
